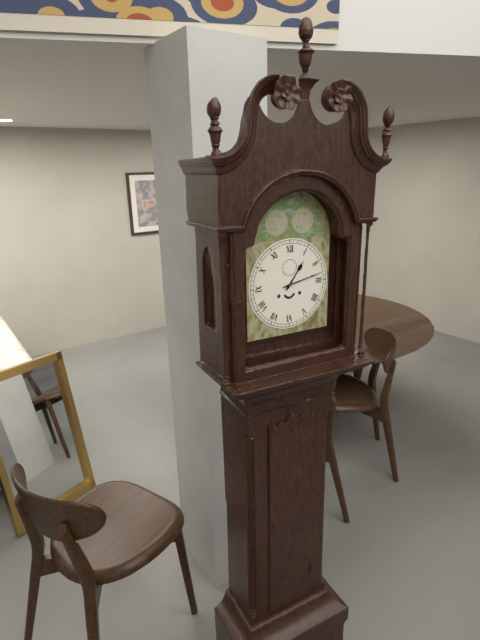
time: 1:13
